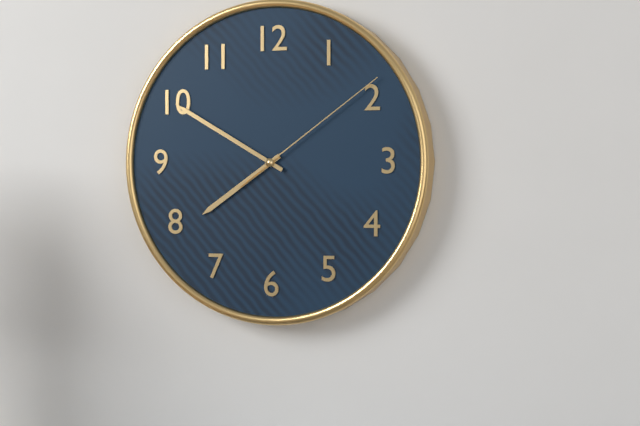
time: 7:50:09
